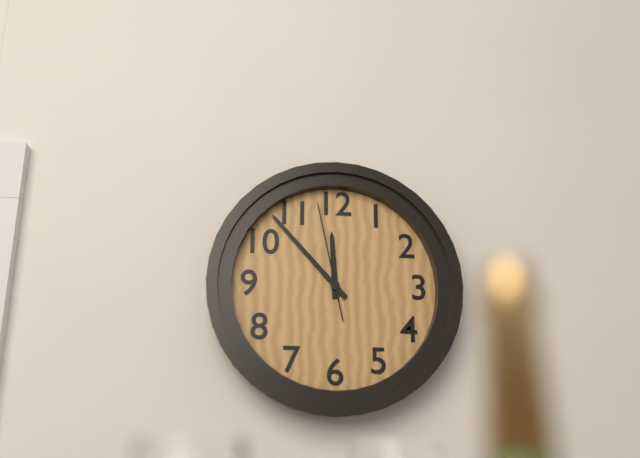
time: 11:53:58
